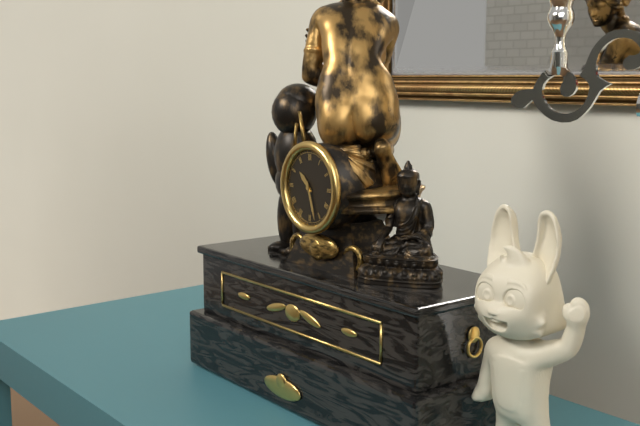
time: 10:27
